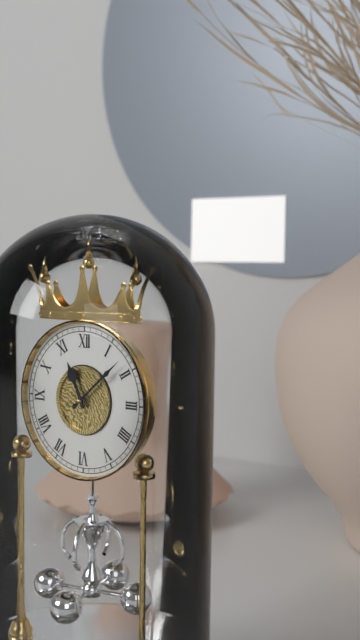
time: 11:08
